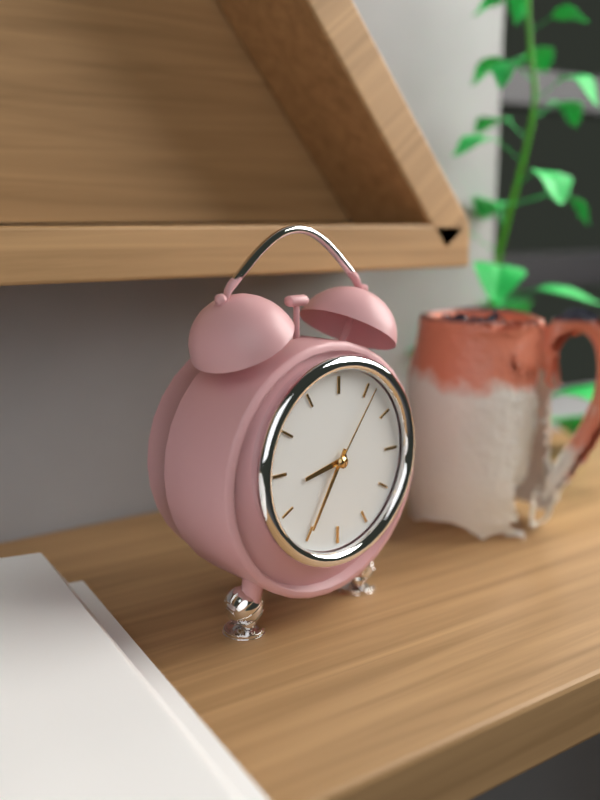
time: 8:35:06
